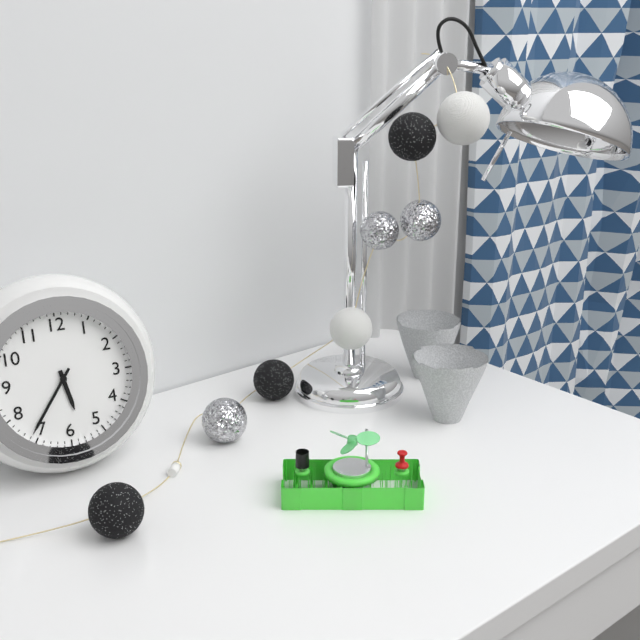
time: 5:36
